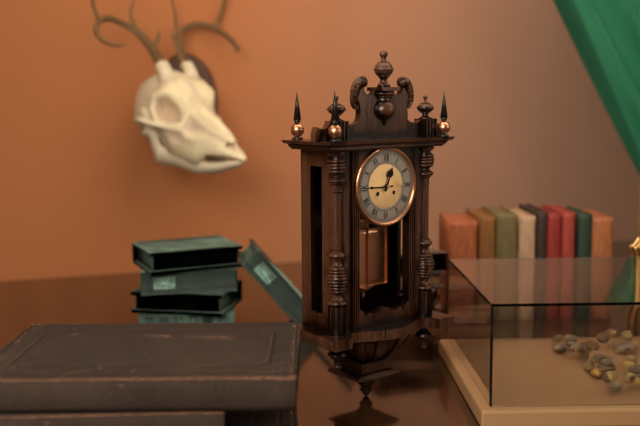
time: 12:45
